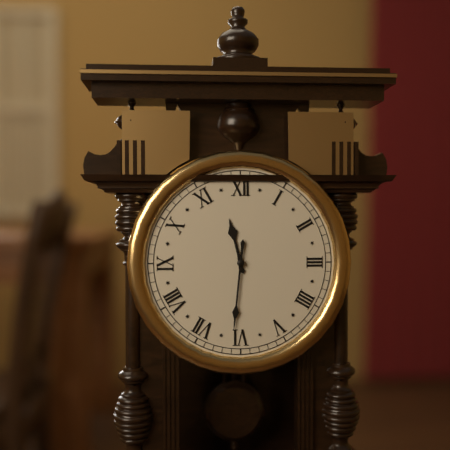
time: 11:31
